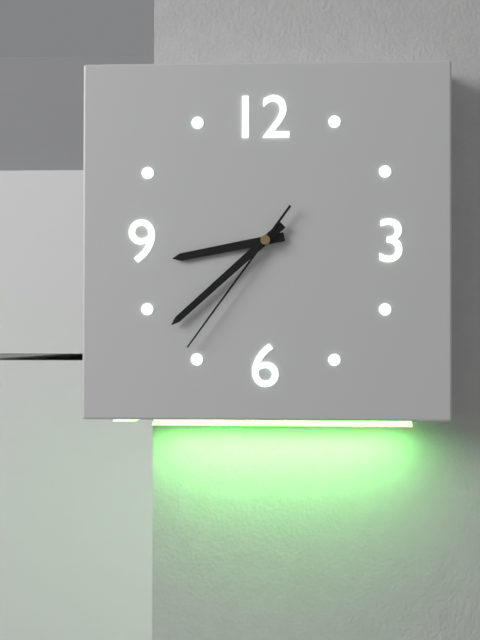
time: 8:38:36
